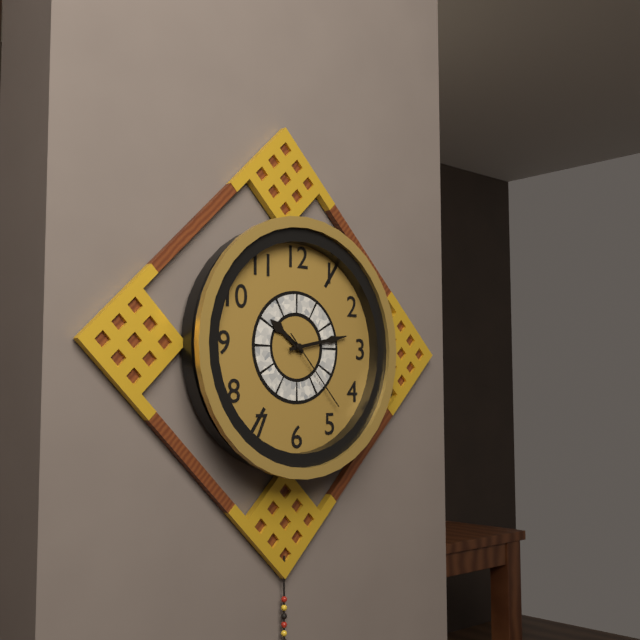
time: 10:13:23
